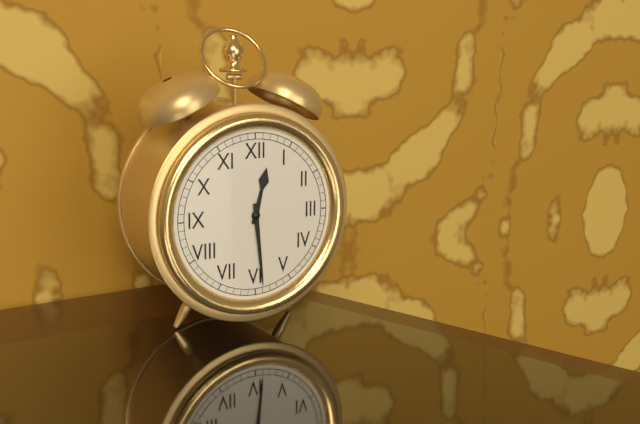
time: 12:29
